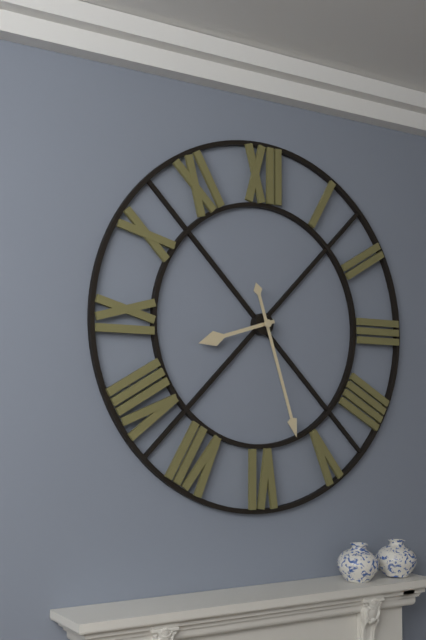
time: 8:27
